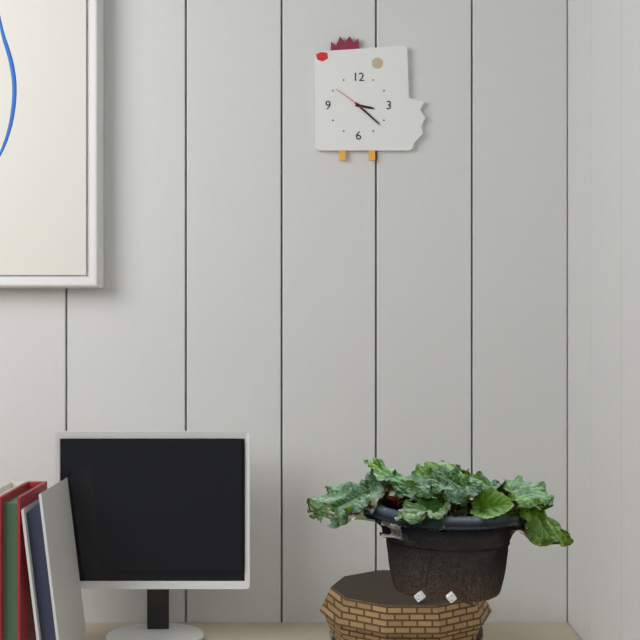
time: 3:22
